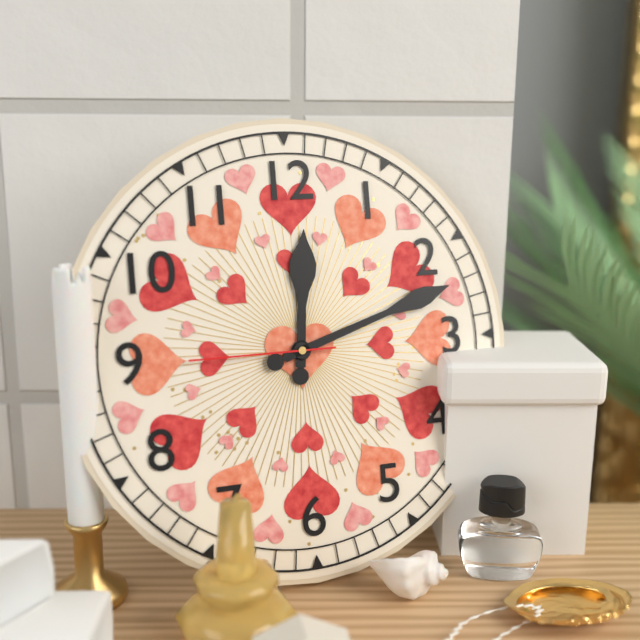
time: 12:12:45
